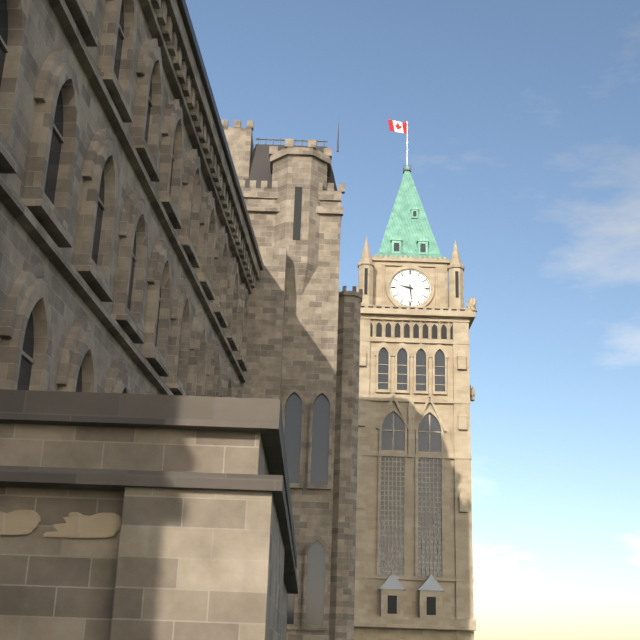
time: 9:29
